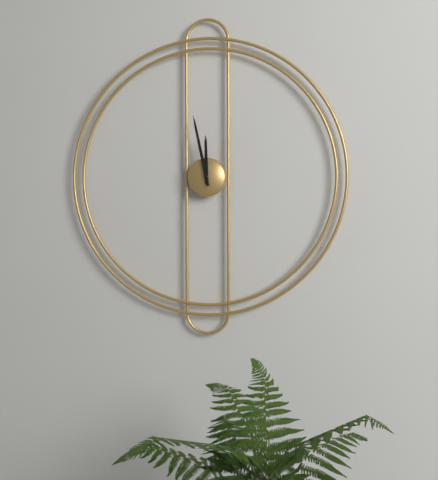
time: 11:58
